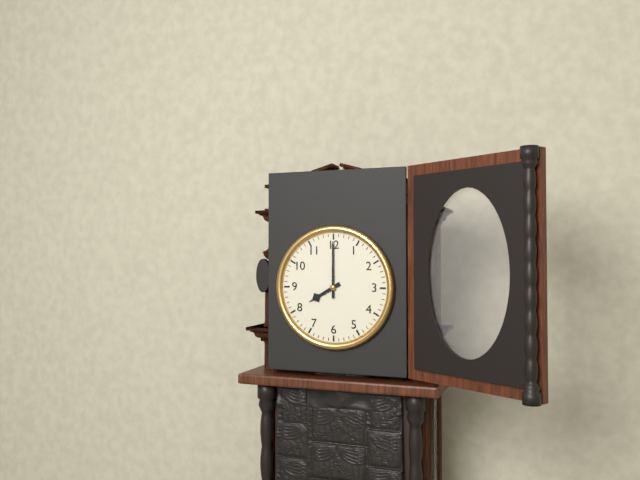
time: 8:00
